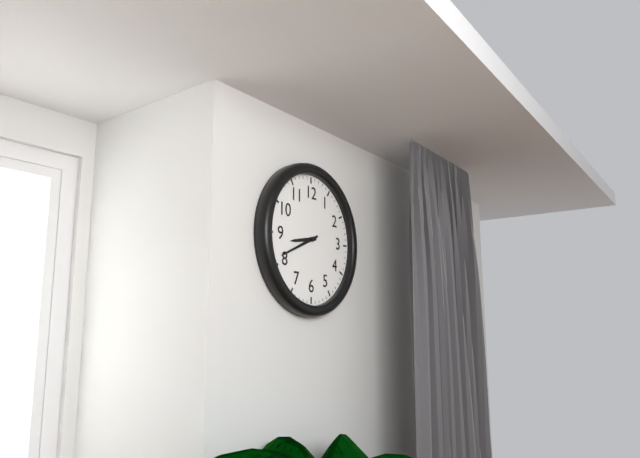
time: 8:41
